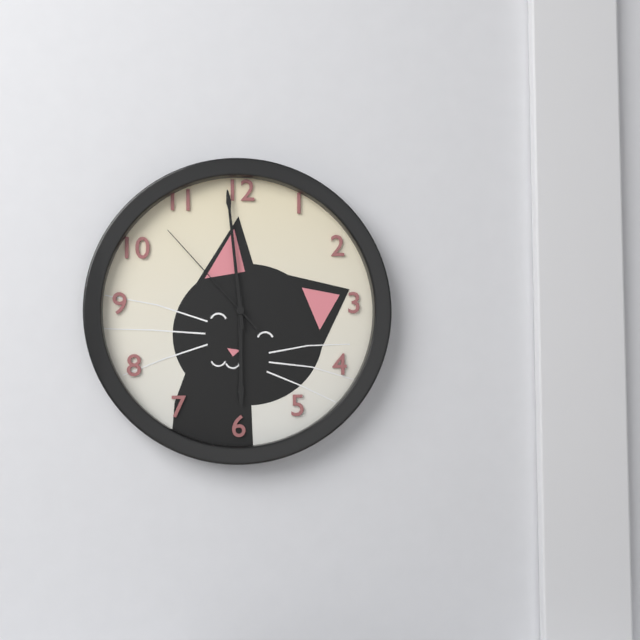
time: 5:59:53
